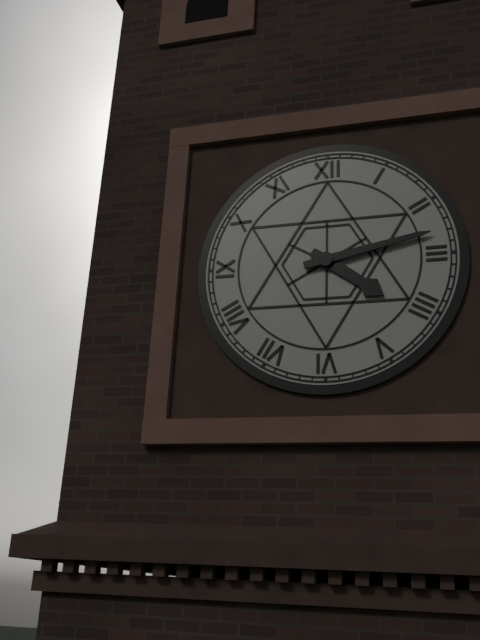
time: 4:13
